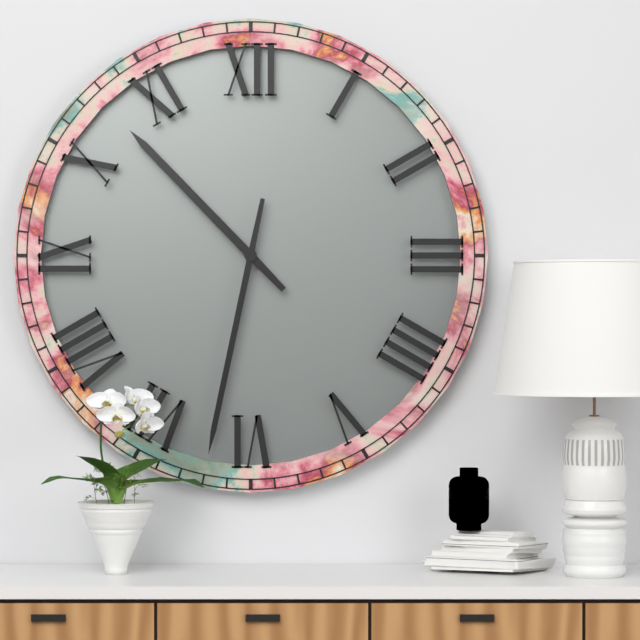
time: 10:32
